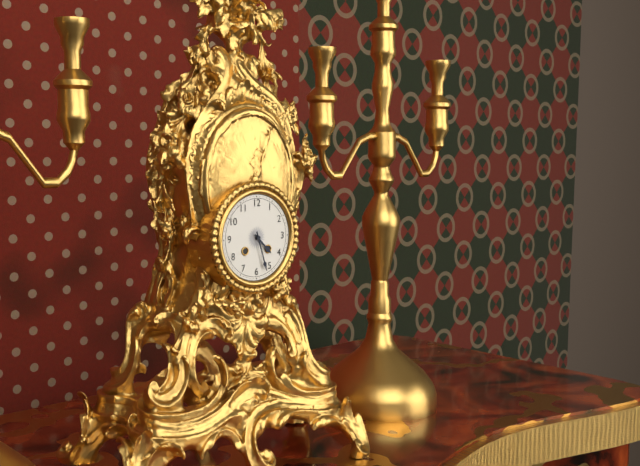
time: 4:27
